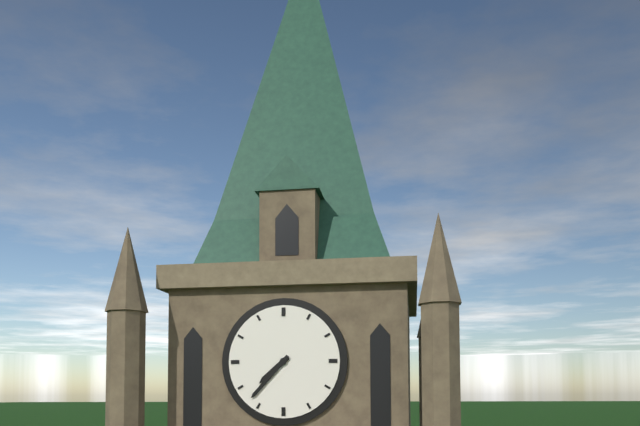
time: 7:37
